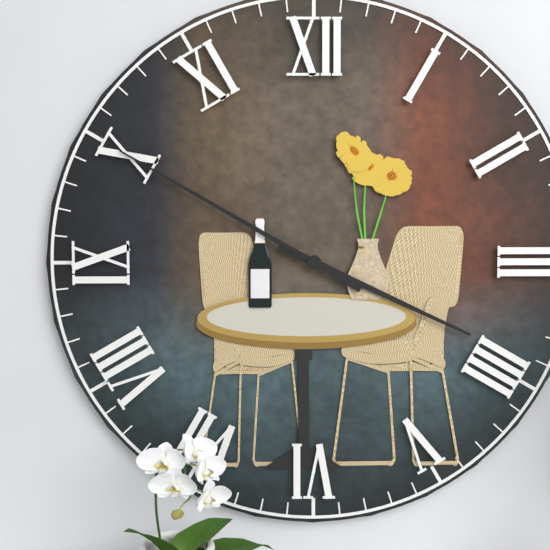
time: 3:50
